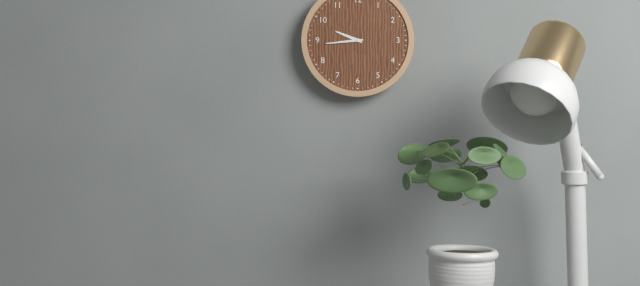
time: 9:44
